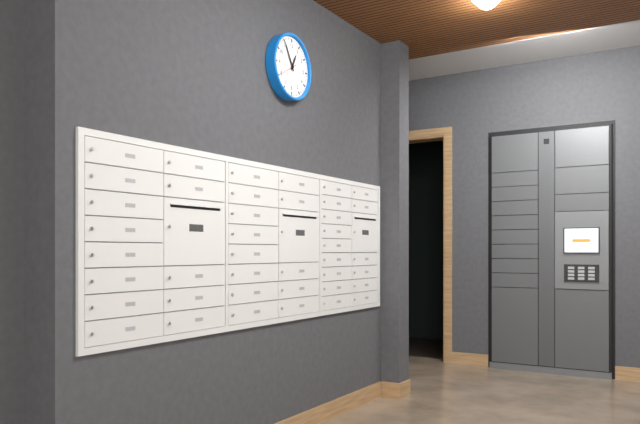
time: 12:55
